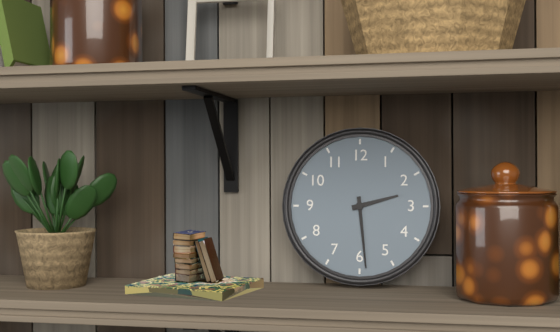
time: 2:29
